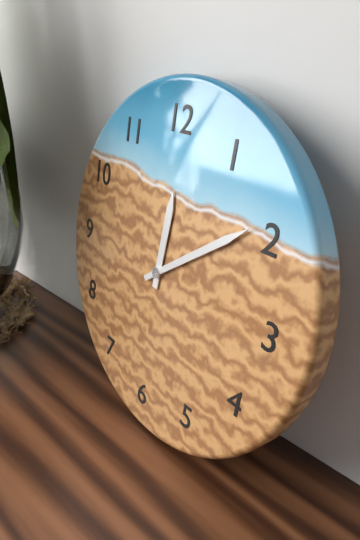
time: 12:09
